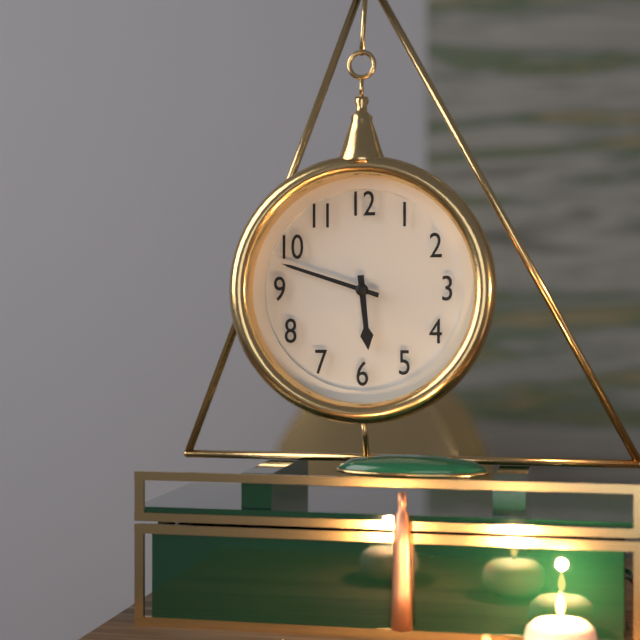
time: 5:48
